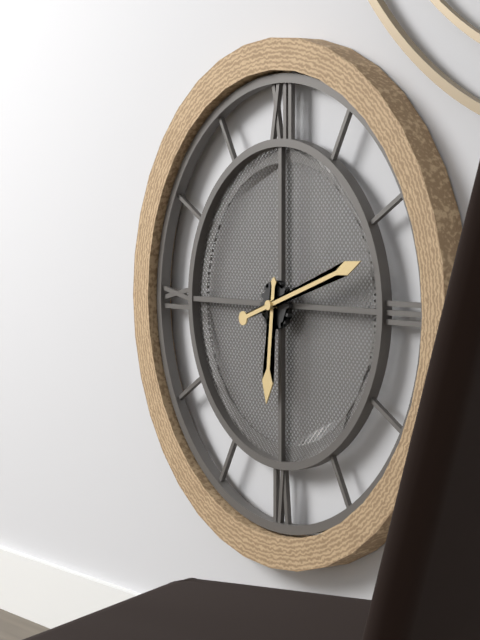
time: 6:12
